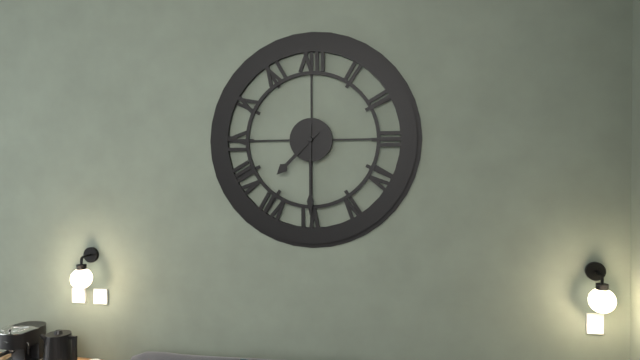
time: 7:30
